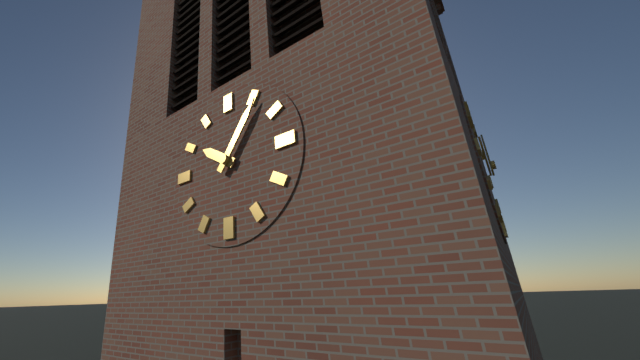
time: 10:06
